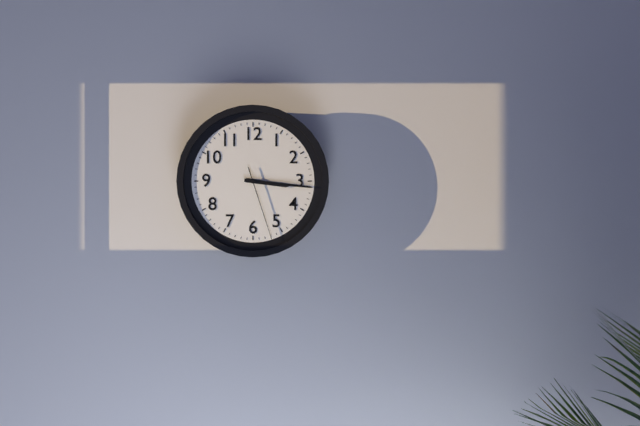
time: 3:16:27
